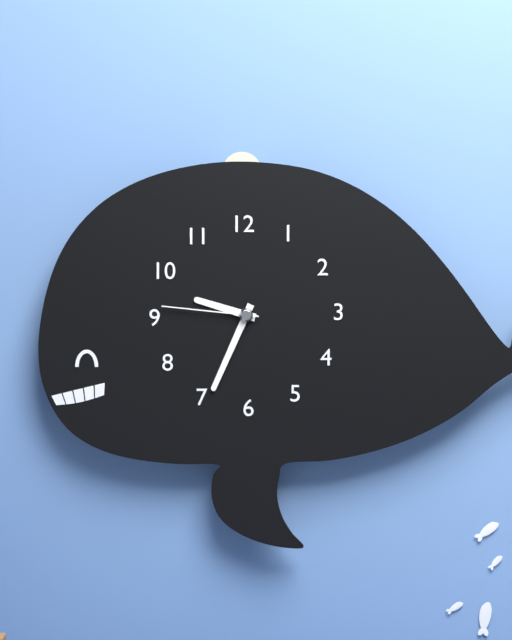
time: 9:34:46
